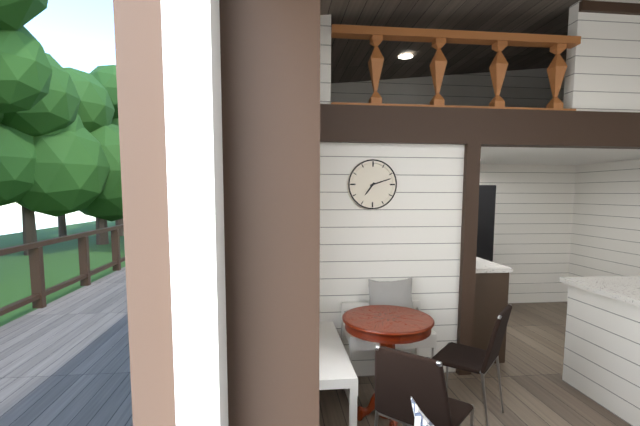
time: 7:12
